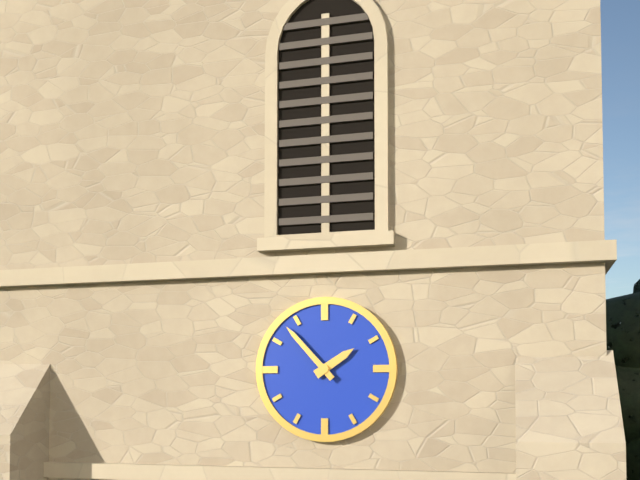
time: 1:53
